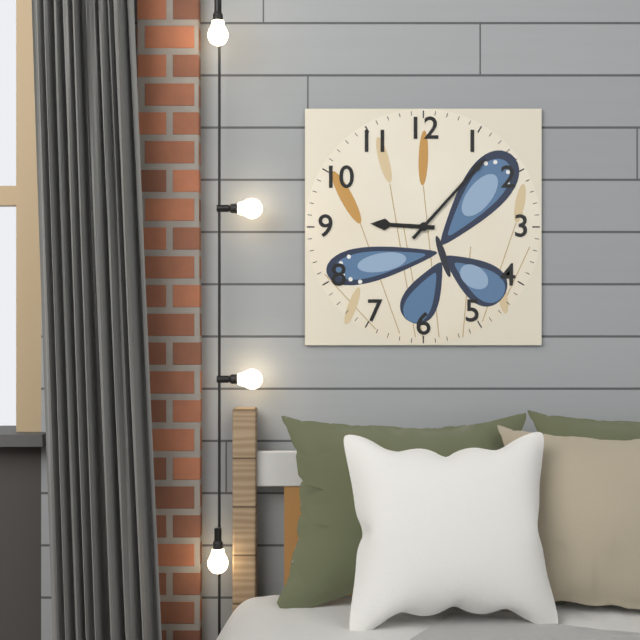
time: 9:07
